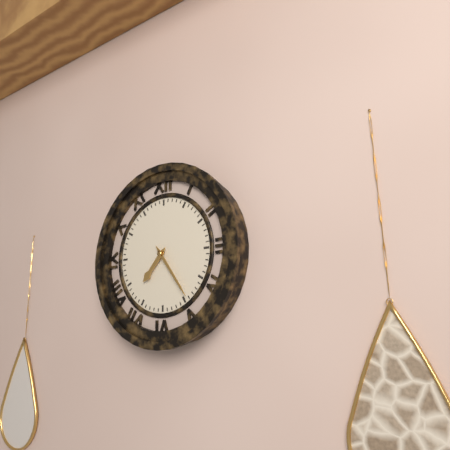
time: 7:24
